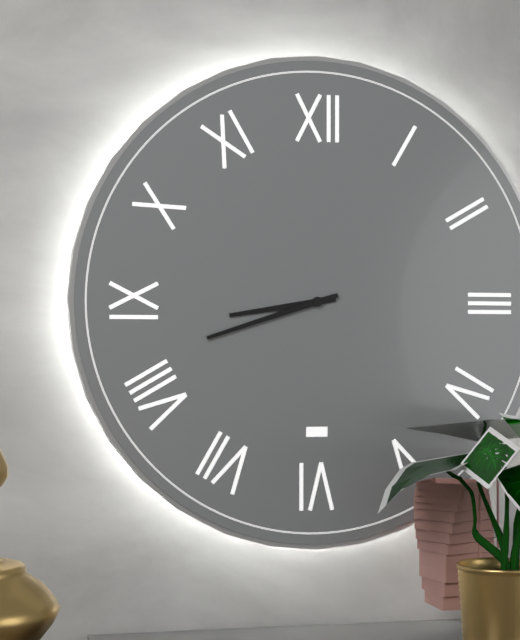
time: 8:42
